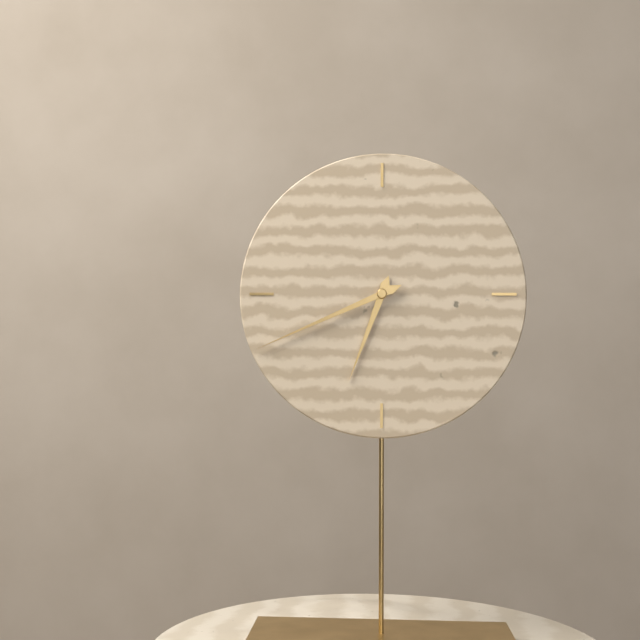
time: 6:41
